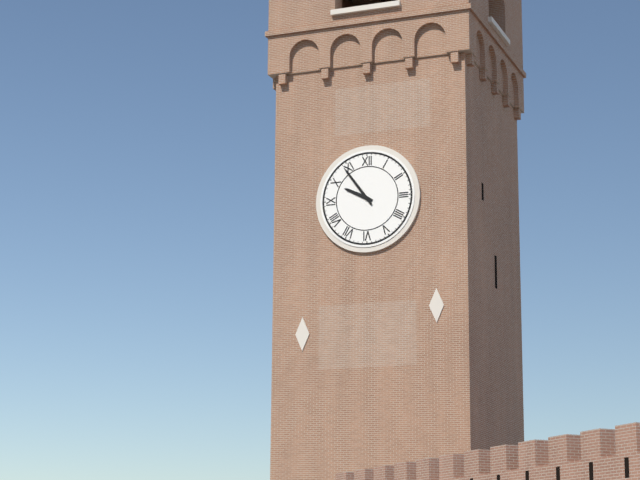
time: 9:54
